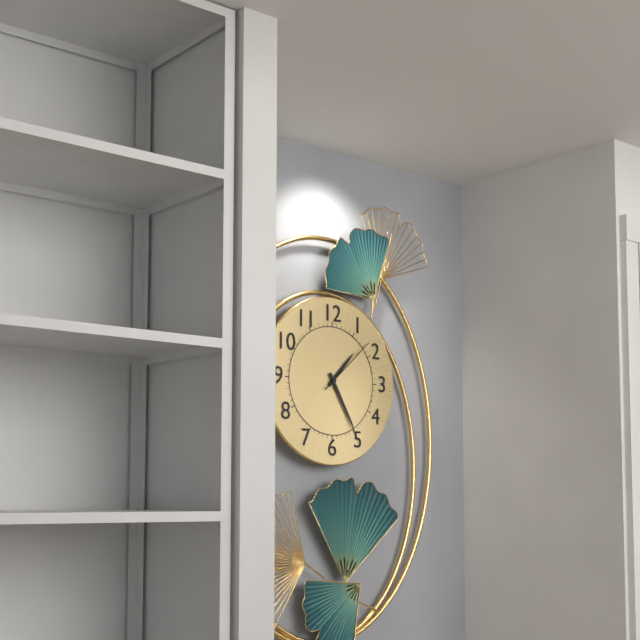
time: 1:25:08
